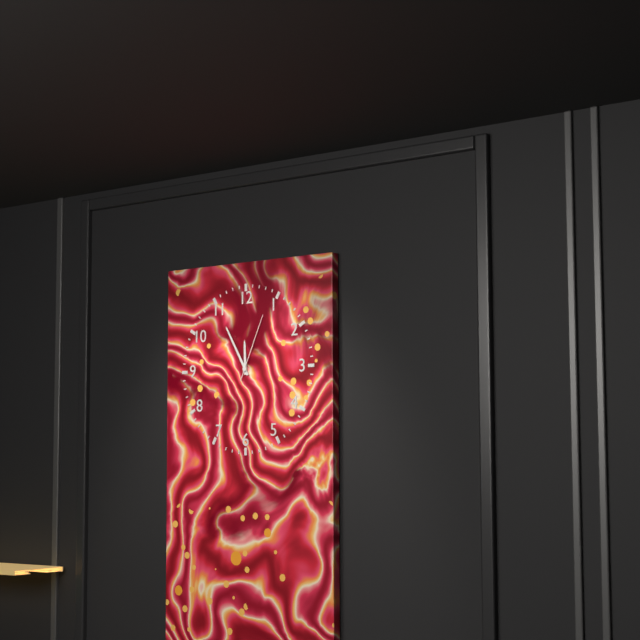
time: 11:55:04
